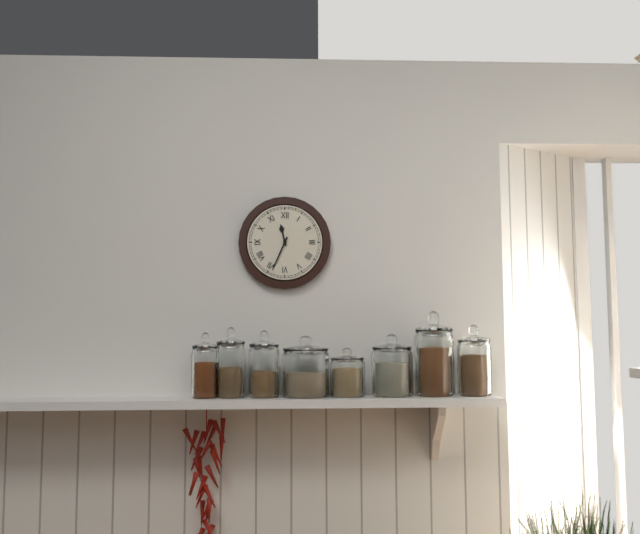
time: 11:34
